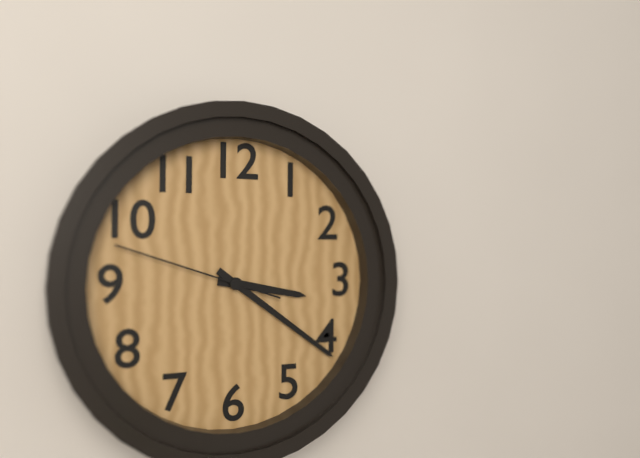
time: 3:21:48
